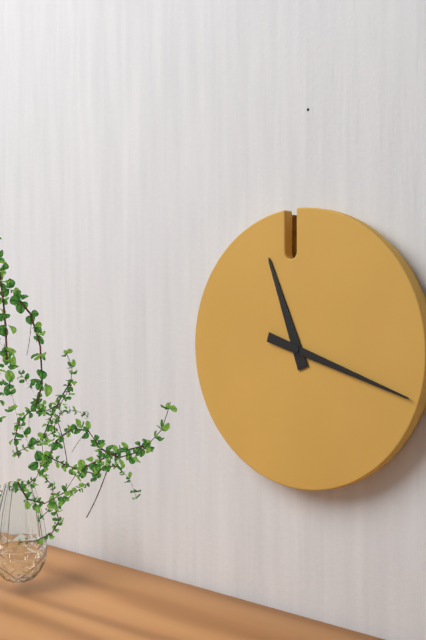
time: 11:18
